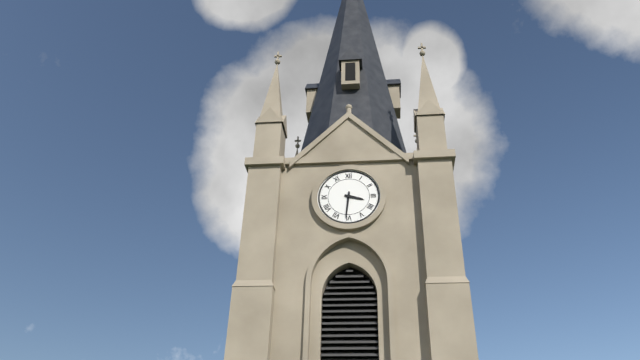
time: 3:31
